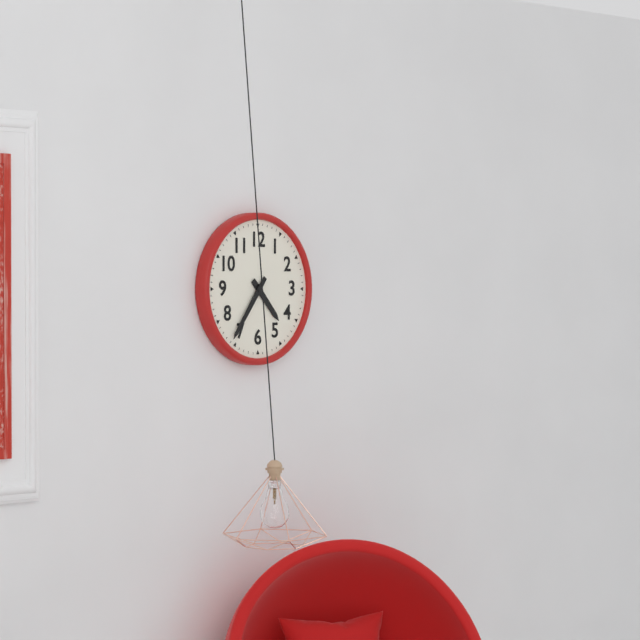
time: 4:36
